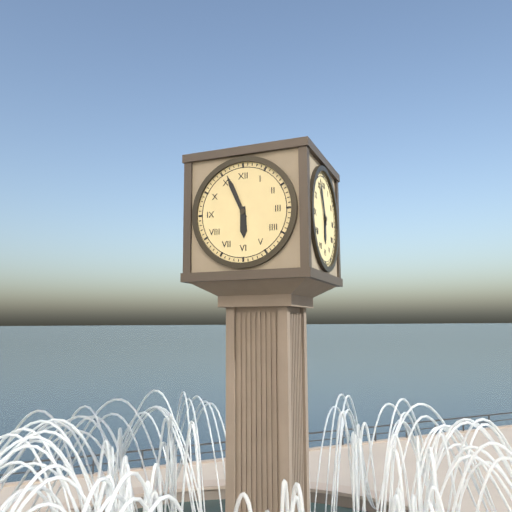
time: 5:56
